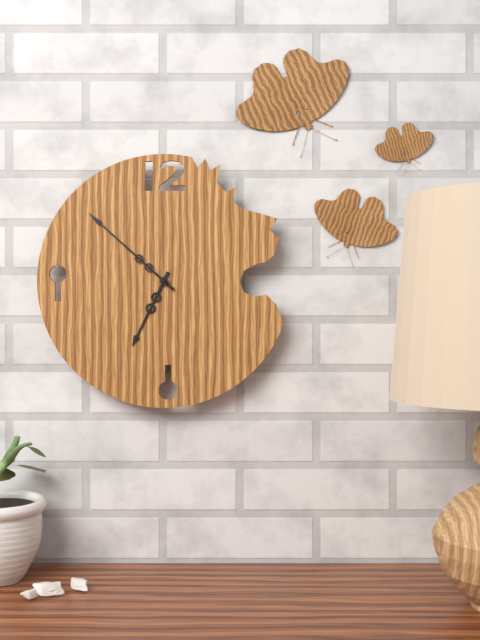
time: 6:52
